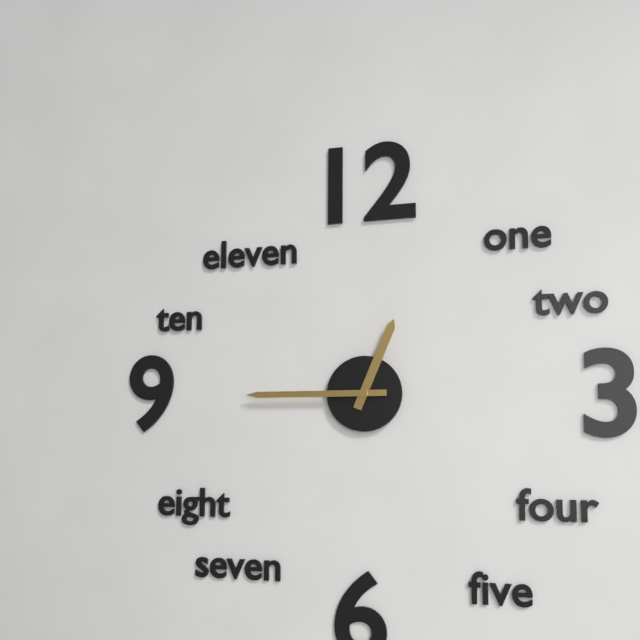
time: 12:45
